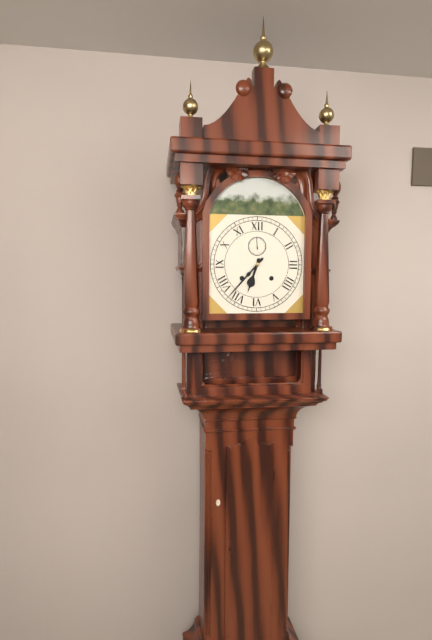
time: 6:37
